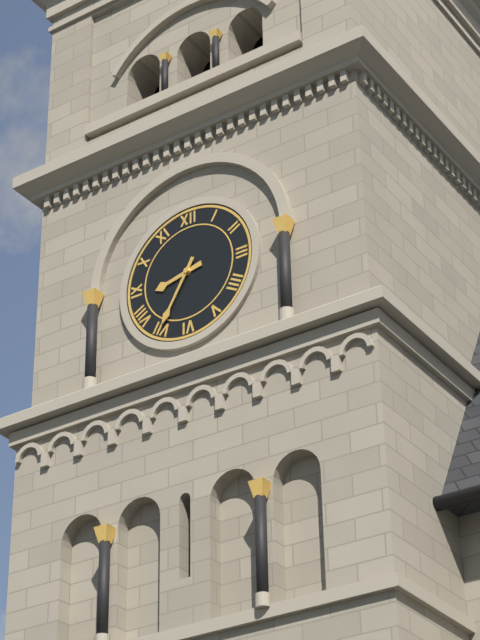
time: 8:35
